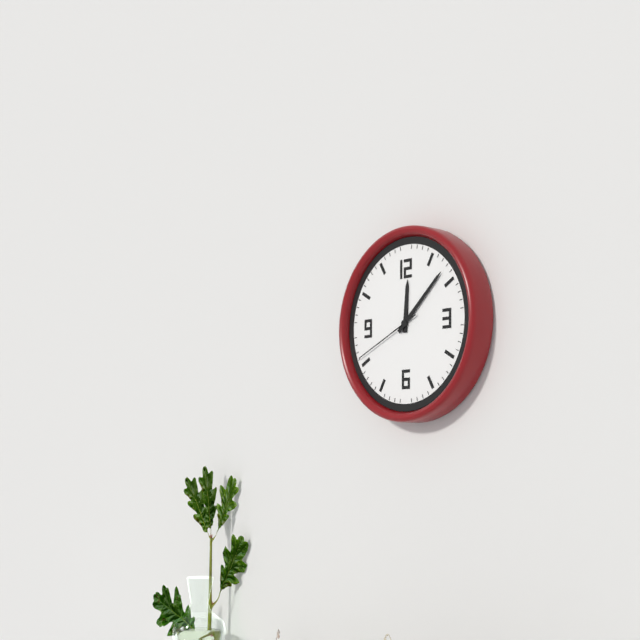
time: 12:08:41
